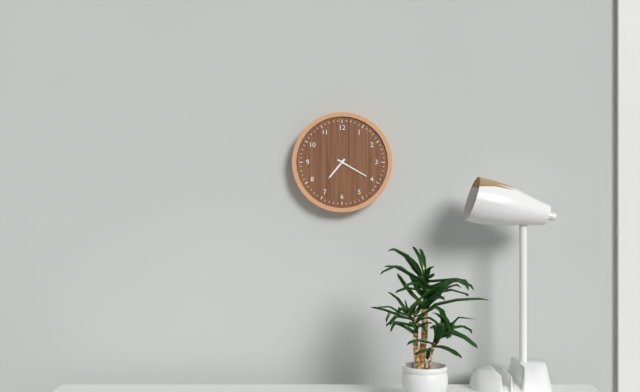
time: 7:20
